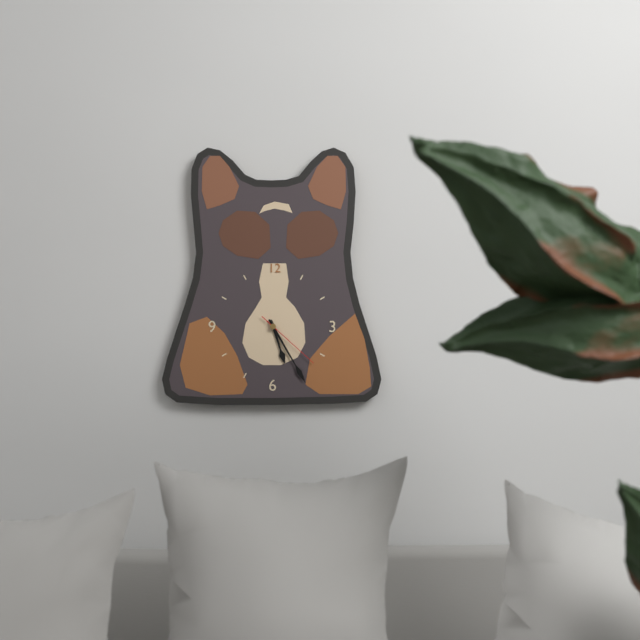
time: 5:25:22
